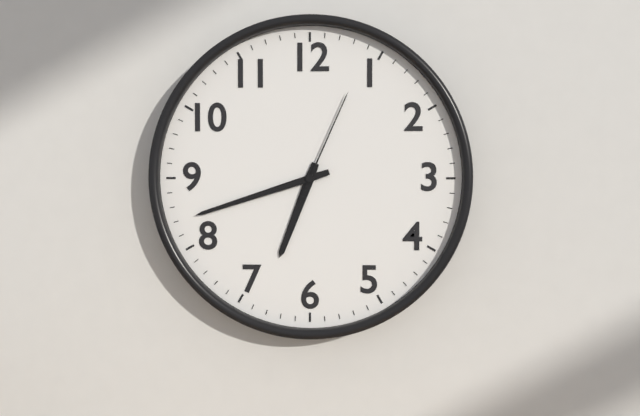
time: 6:42:04
